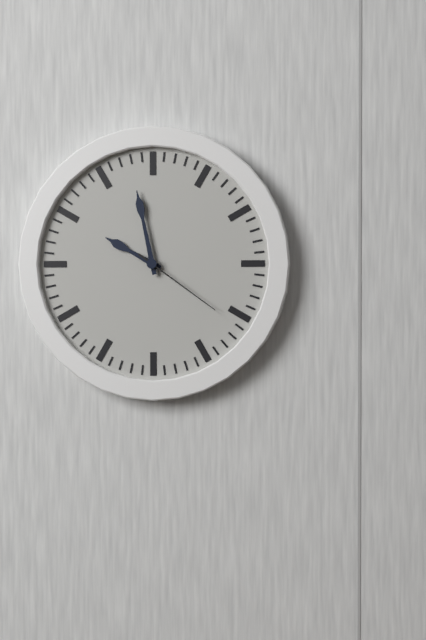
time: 9:58:21
